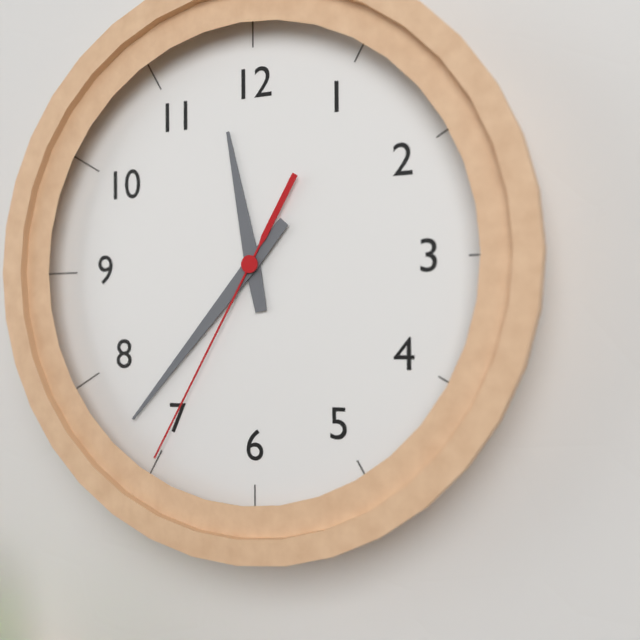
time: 11:37:35
